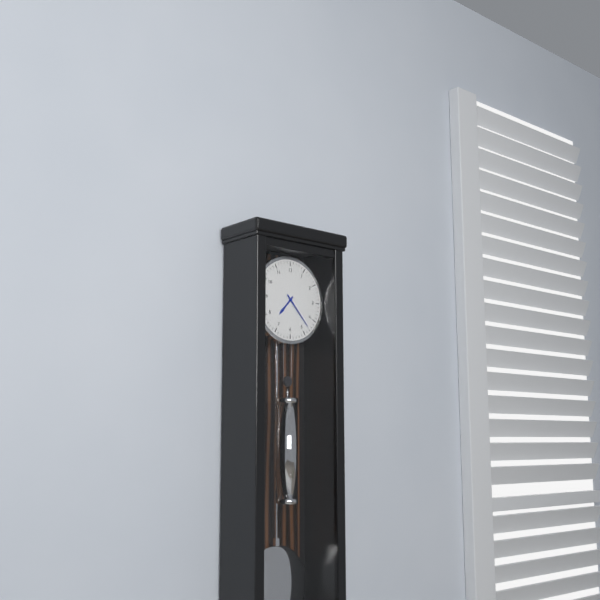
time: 7:23
